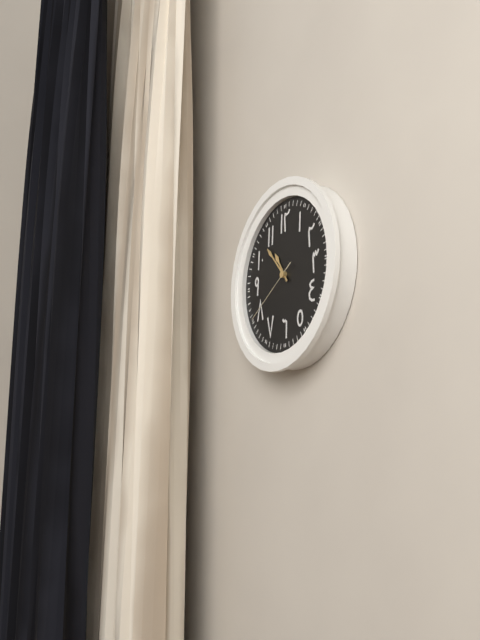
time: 10:53:40
